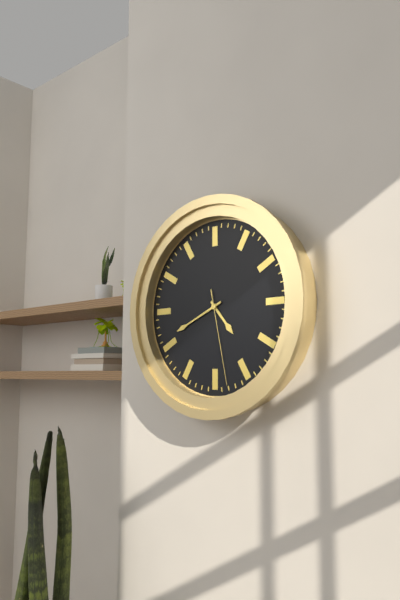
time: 4:41:28
